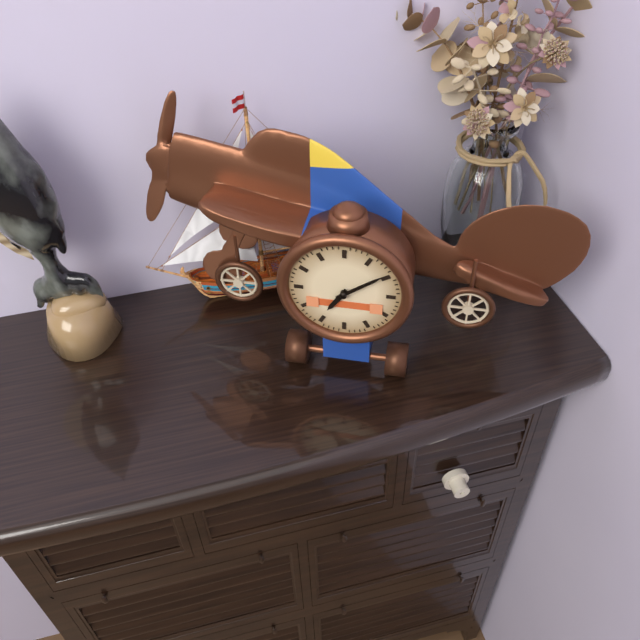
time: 7:09
